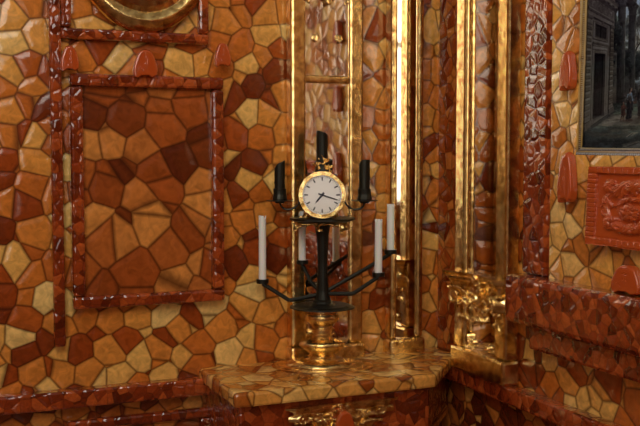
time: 7:18
